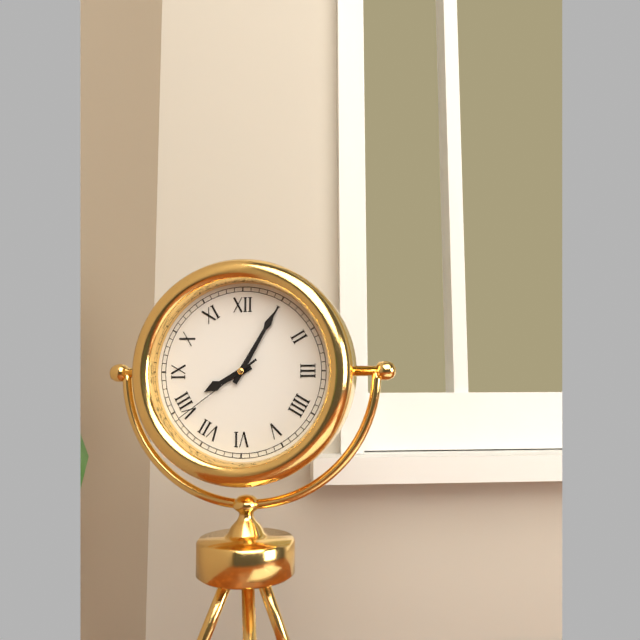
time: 8:05:39
